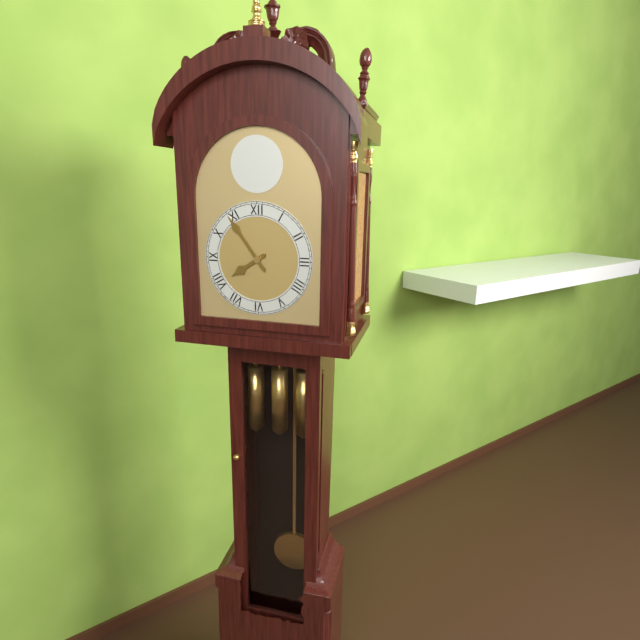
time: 7:54
